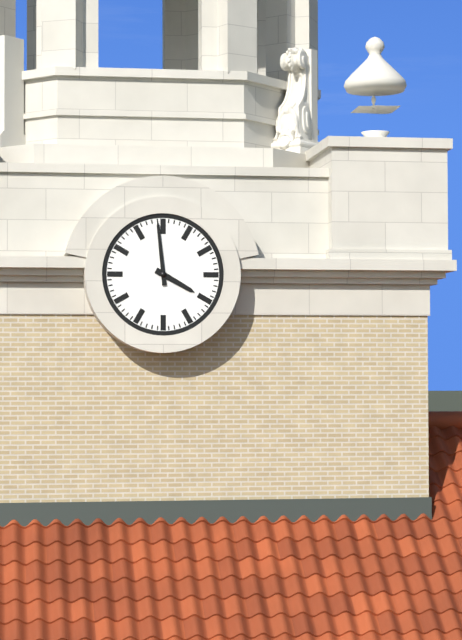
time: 3:59
